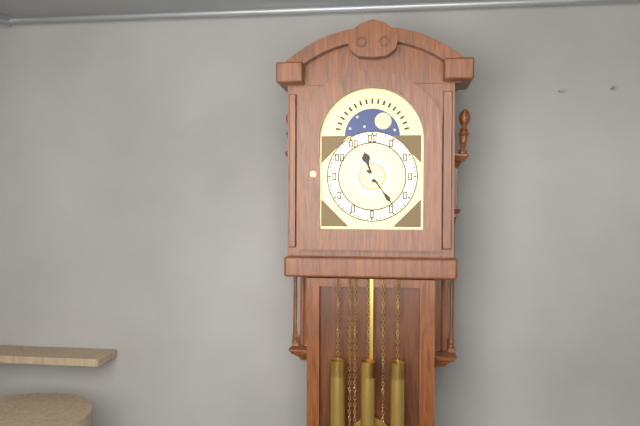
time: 11:24
